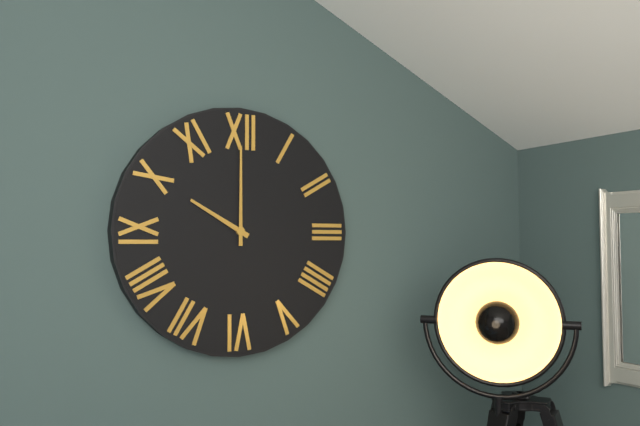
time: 10:00
